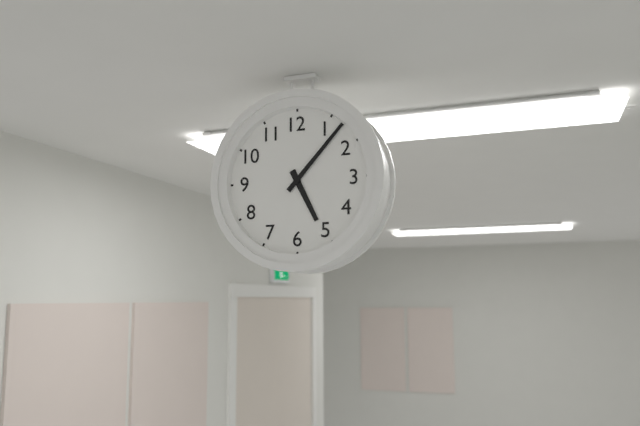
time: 5:07
